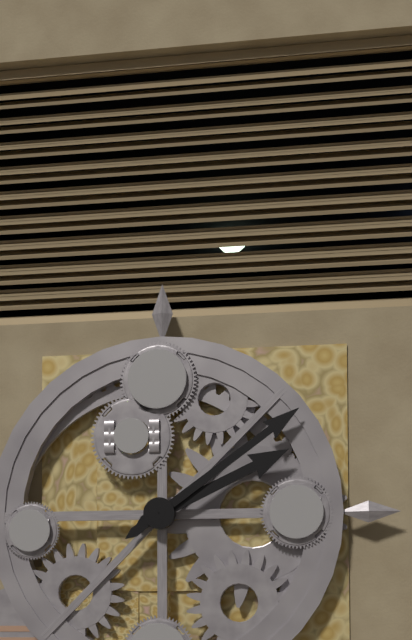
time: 2:09
